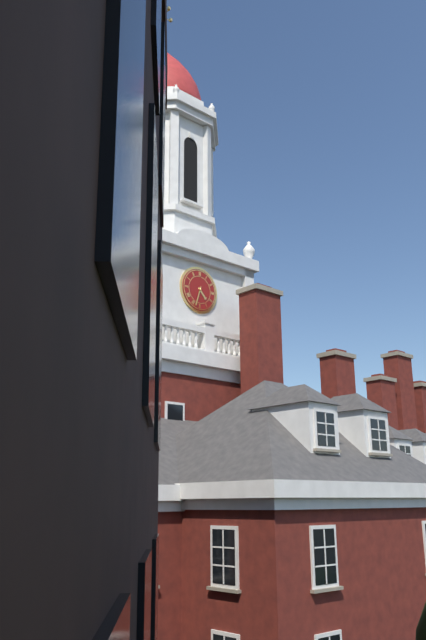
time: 4:33
